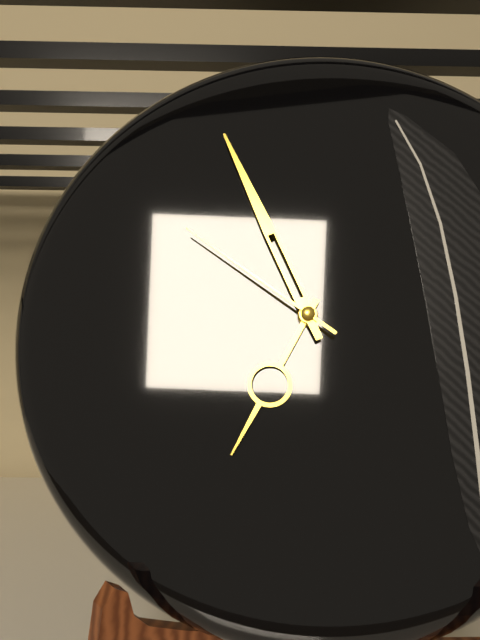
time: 6:56:51
